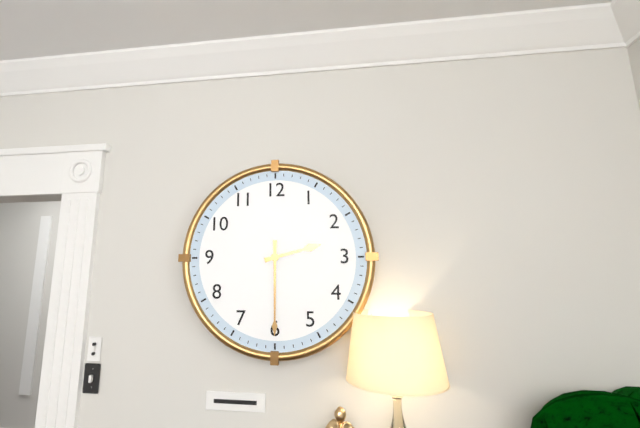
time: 2:30
